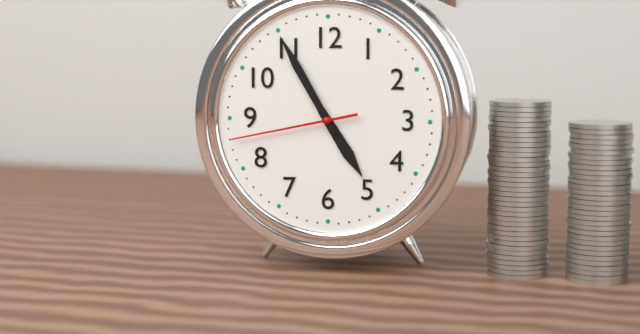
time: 4:55:43
